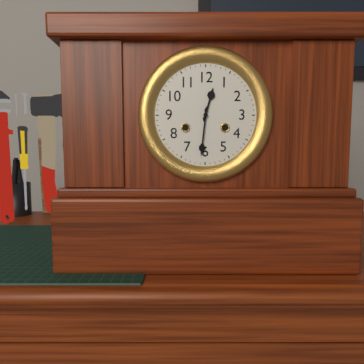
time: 12:31
